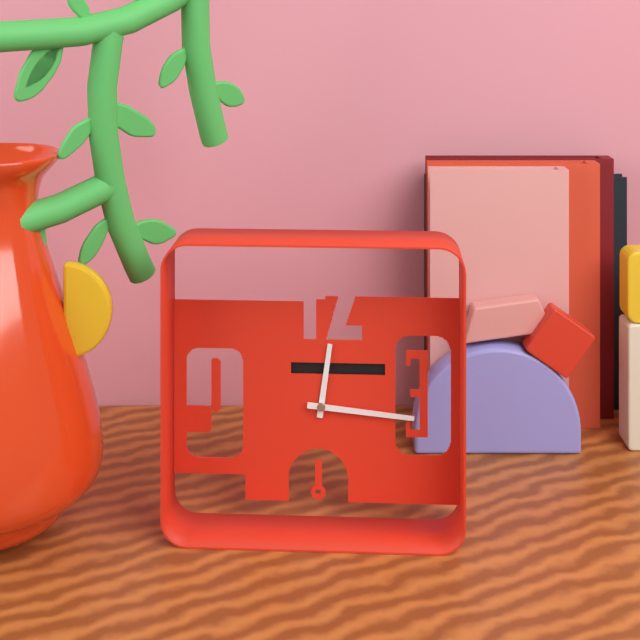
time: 12:16
